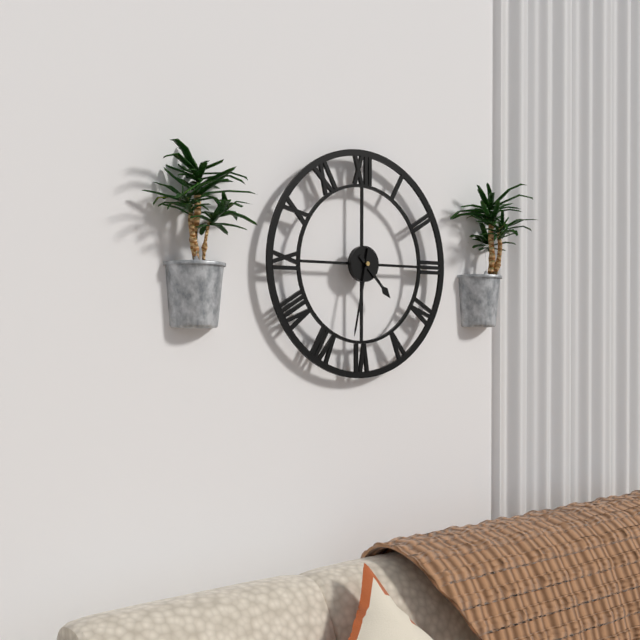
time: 4:32
